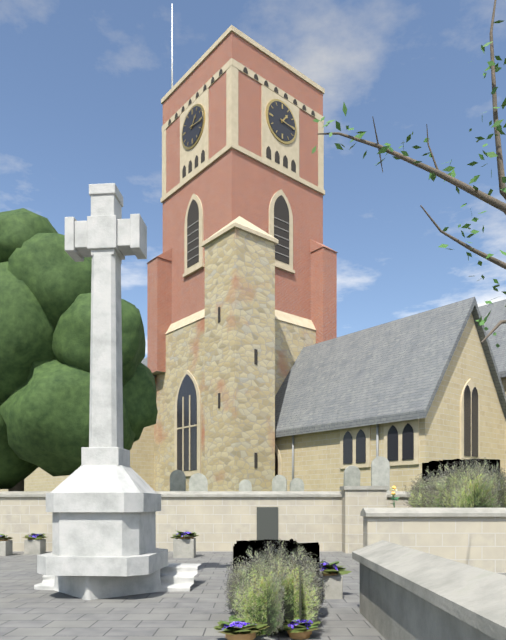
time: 1:16
